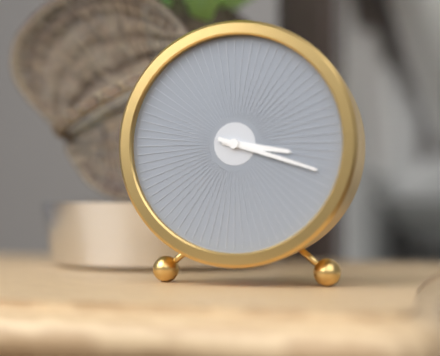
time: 3:18
